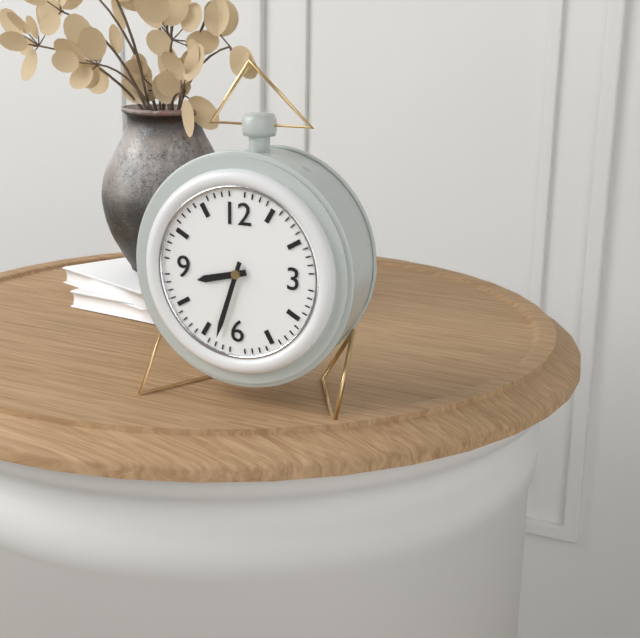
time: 8:33
